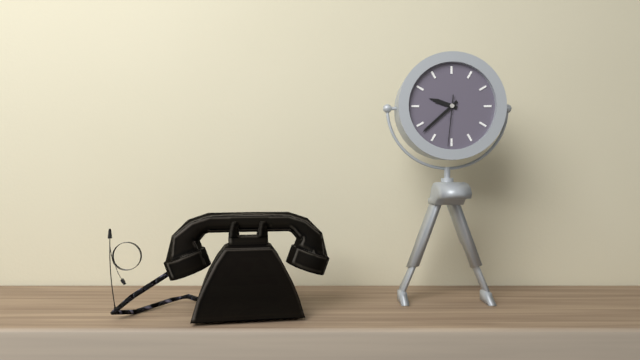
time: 9:38:31
